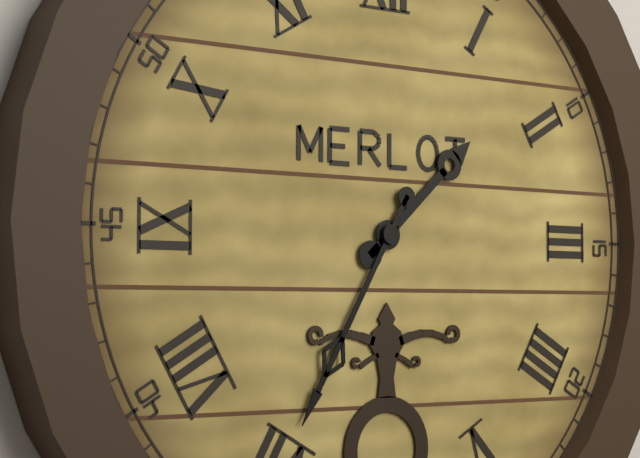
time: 1:35
